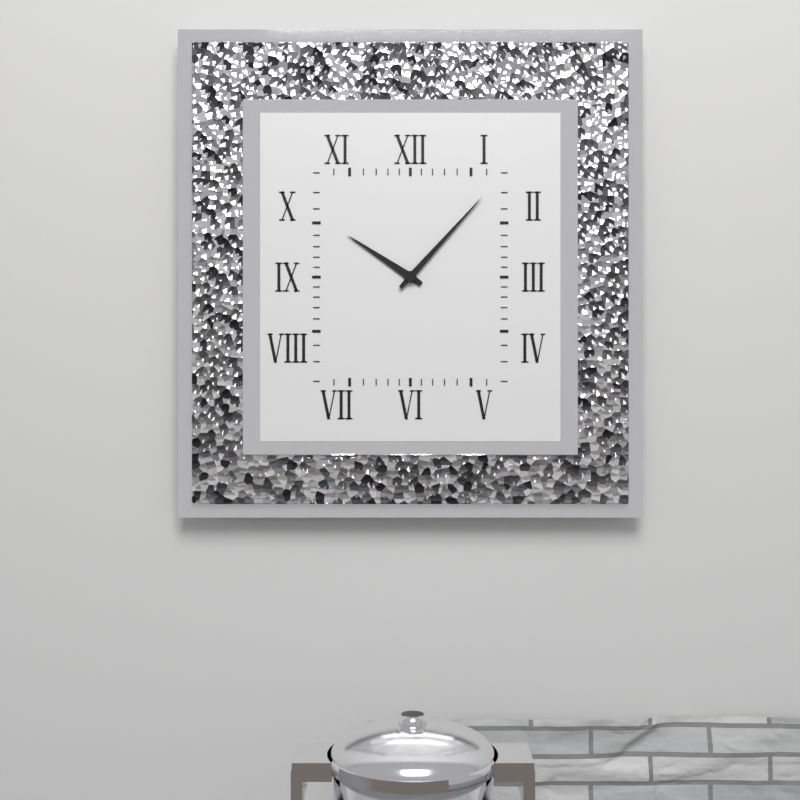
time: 10:07
